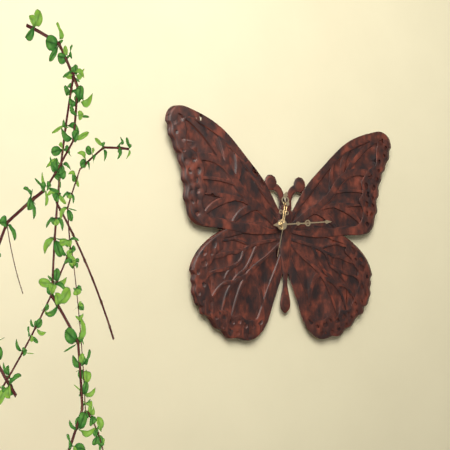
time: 12:14
